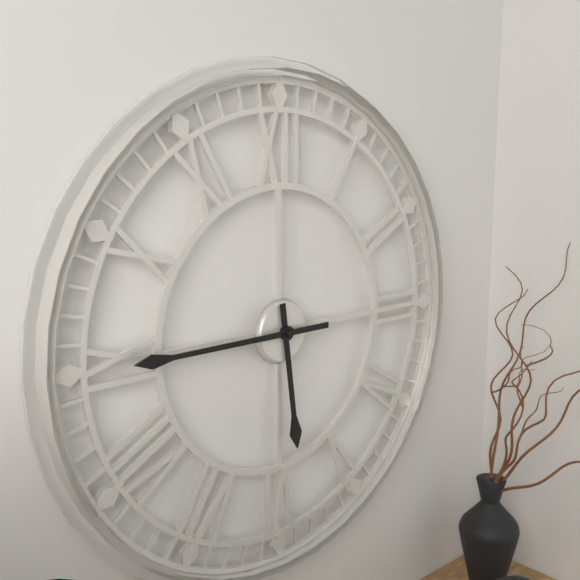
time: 5:45
